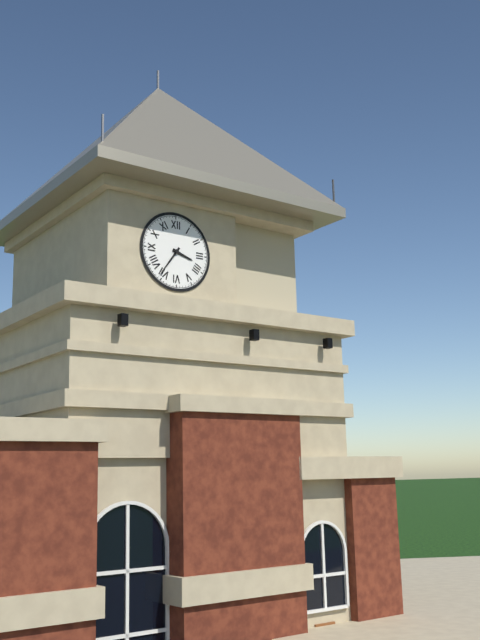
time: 3:36
